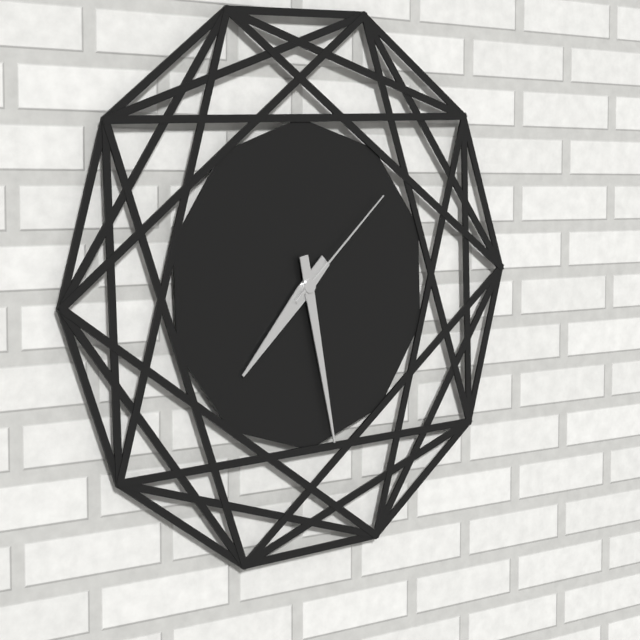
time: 7:28:08
